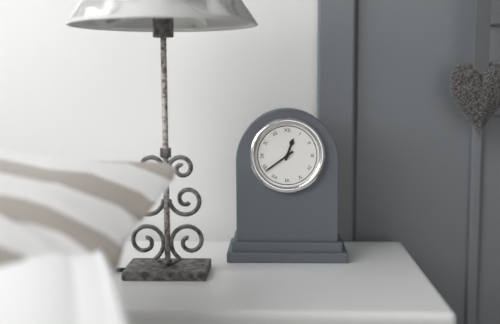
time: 12:39
